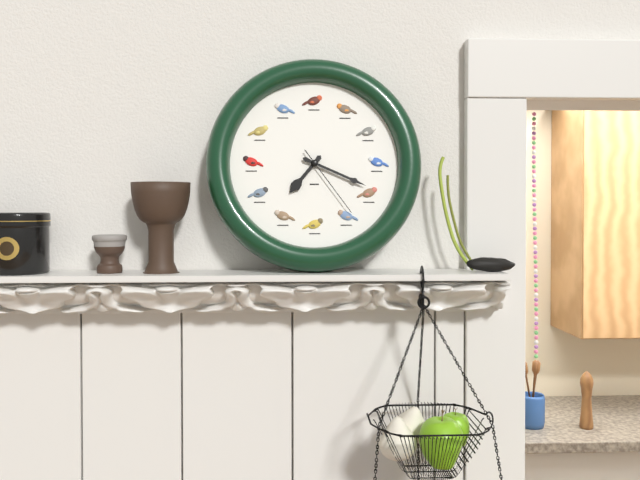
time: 7:19:24
